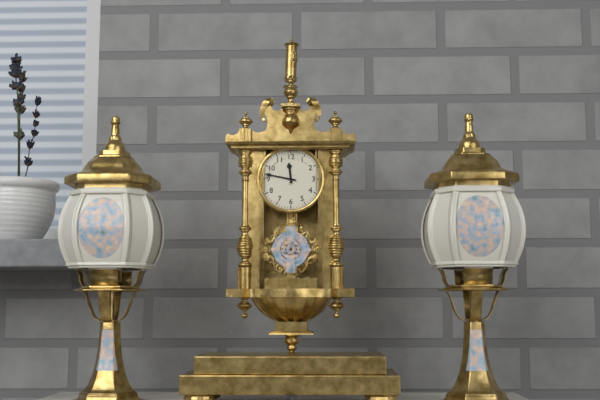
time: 11:47
